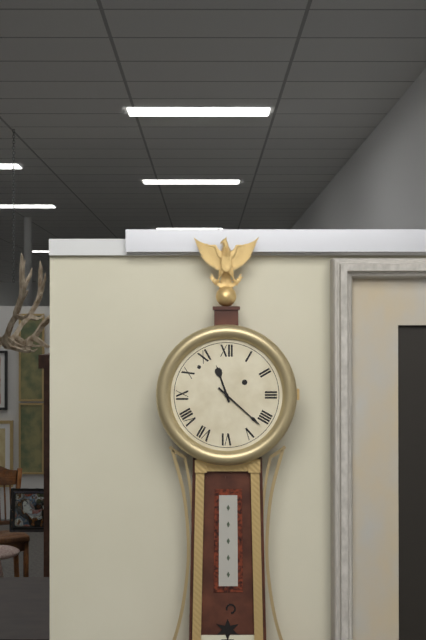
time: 11:22
